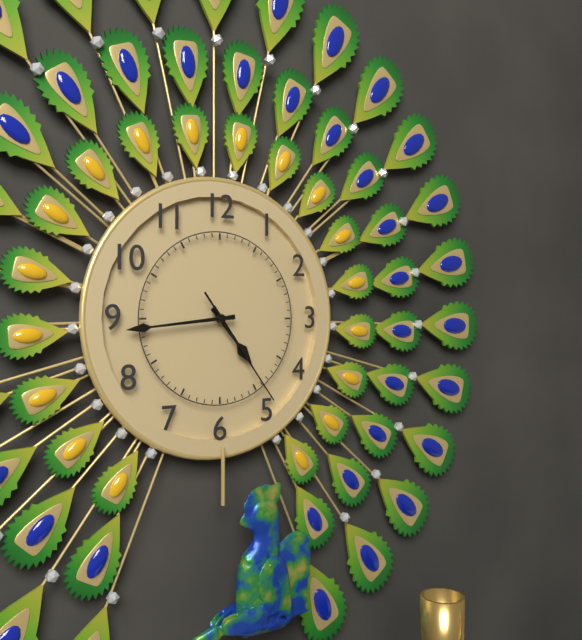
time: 4:44:24
